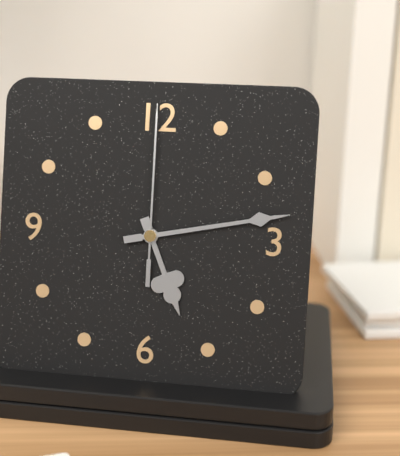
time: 5:13:00
